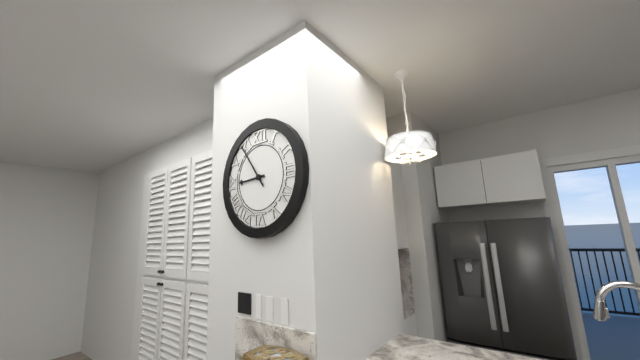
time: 8:54
